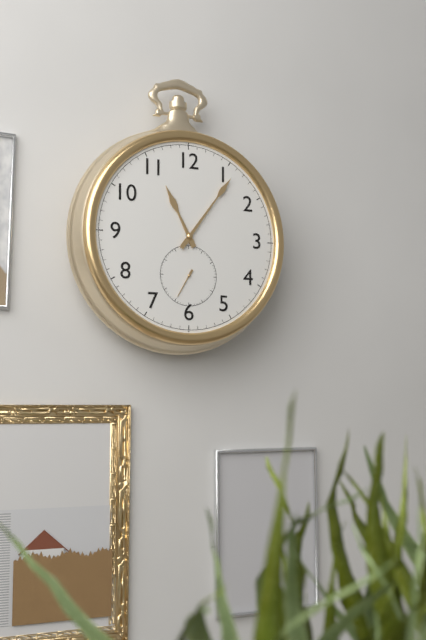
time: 11:06
